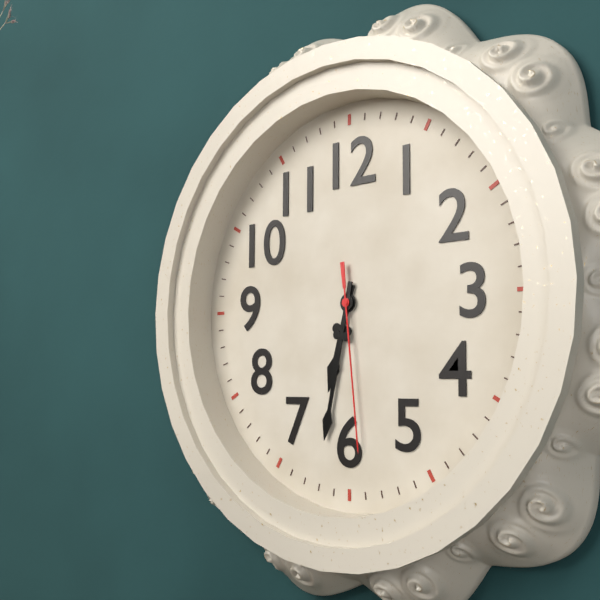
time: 6:32:29
